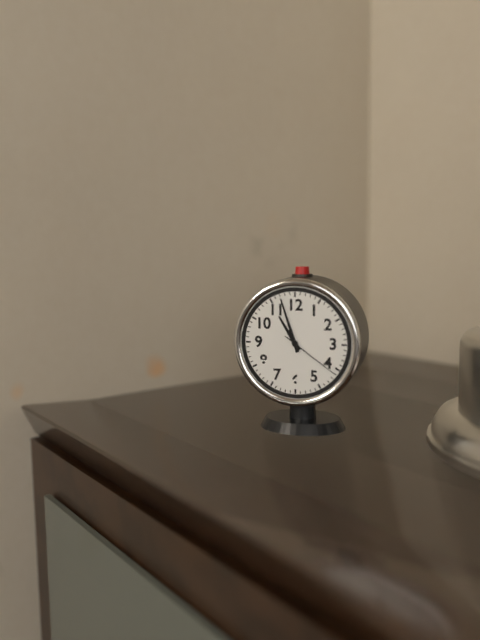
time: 10:57:21
